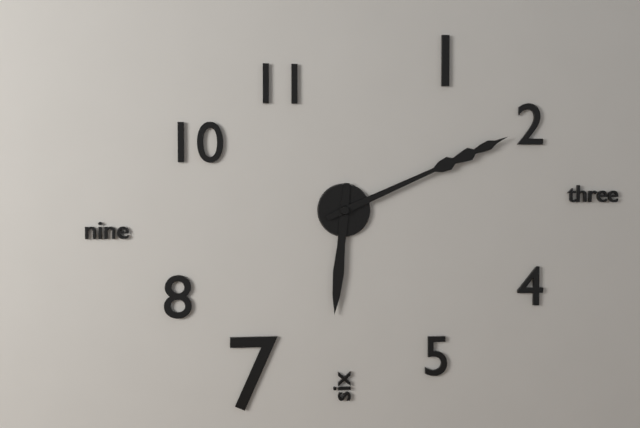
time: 6:11
